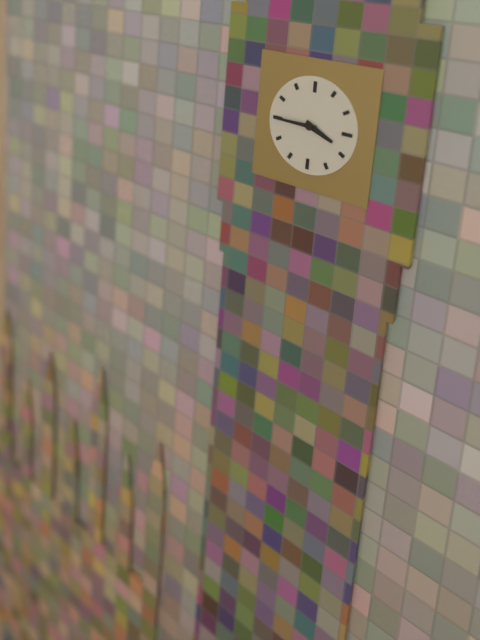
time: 3:45
